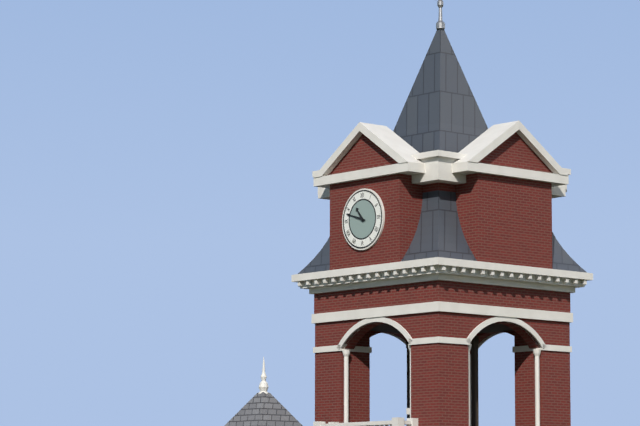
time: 10:48
